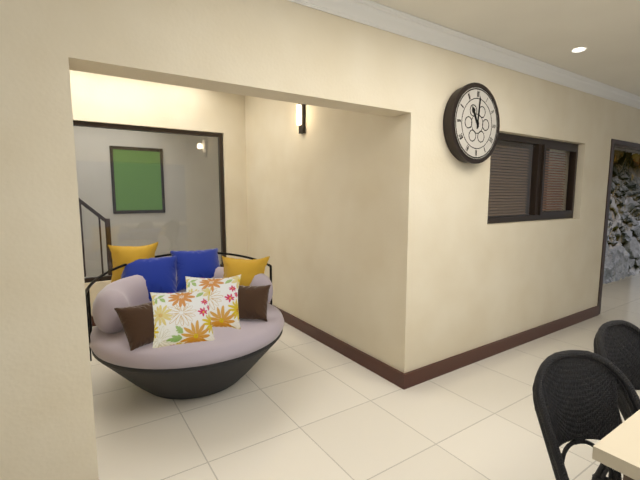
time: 11:01
